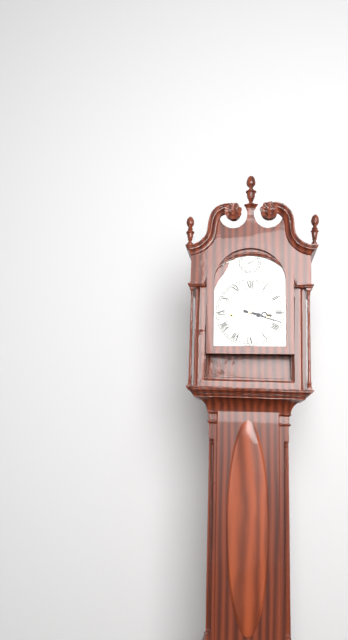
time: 3:18
